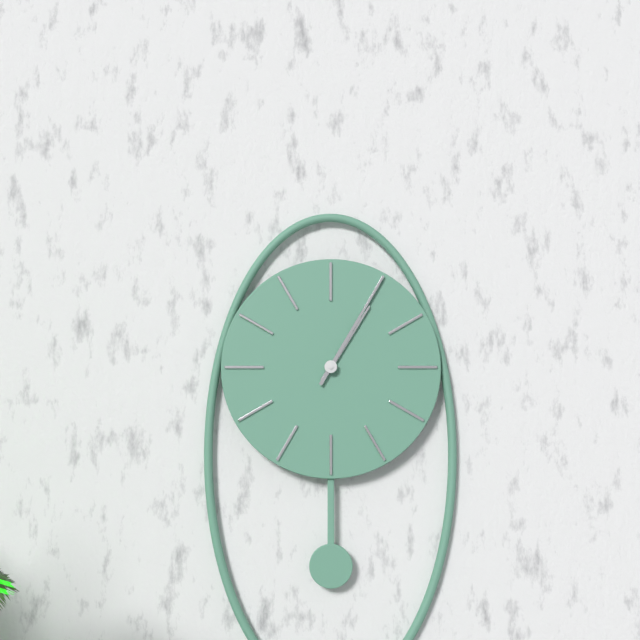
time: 1:05
